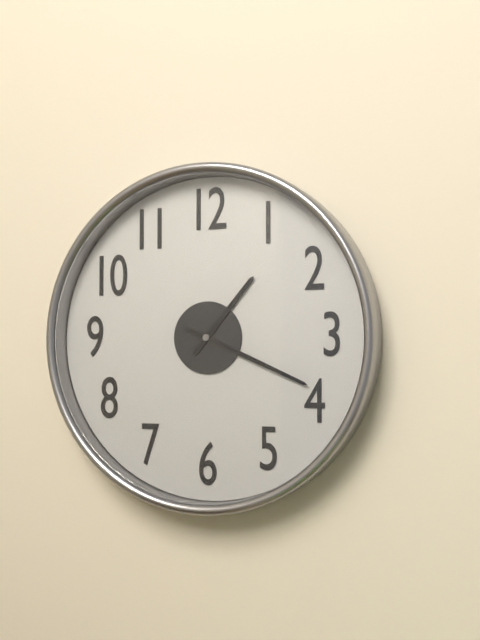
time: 1:19
